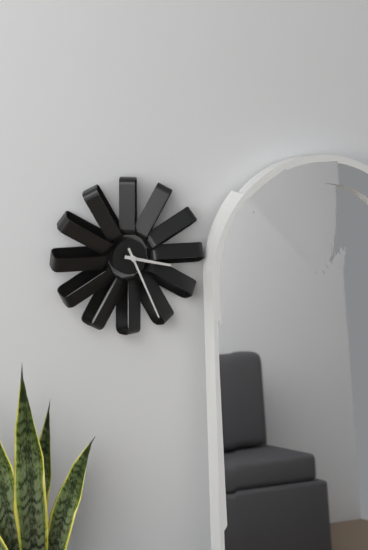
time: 3:26
